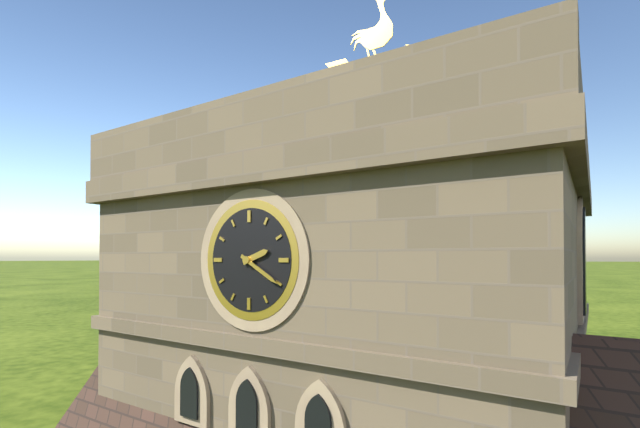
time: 2:20
